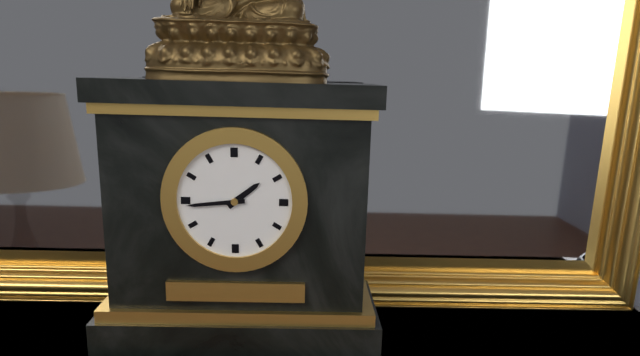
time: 1:44
